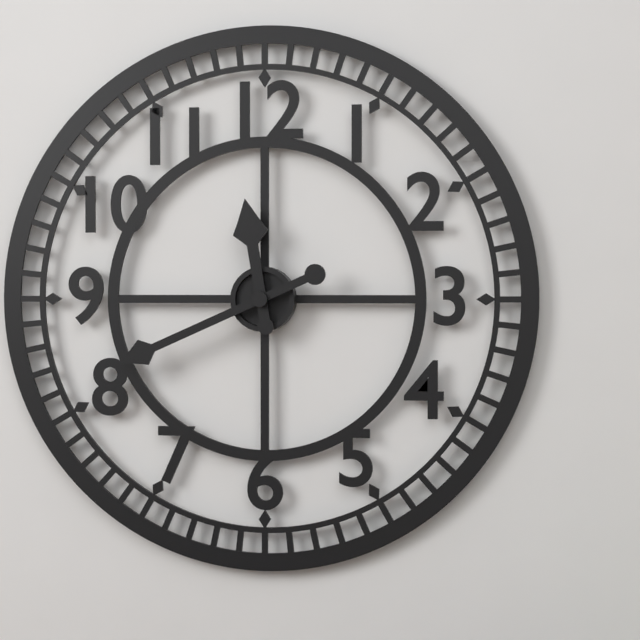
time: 11:41
